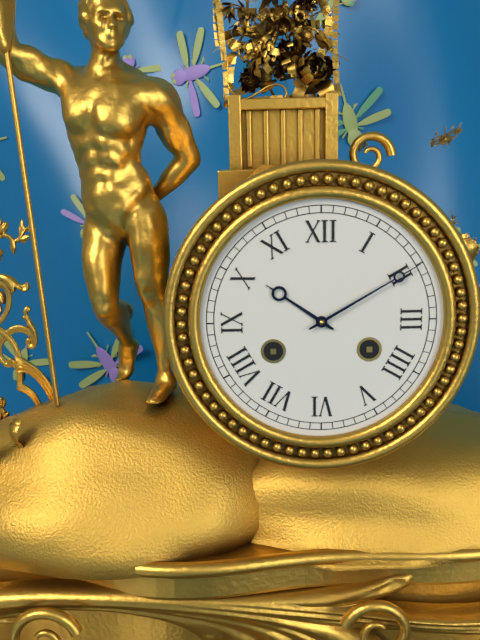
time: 10:10
